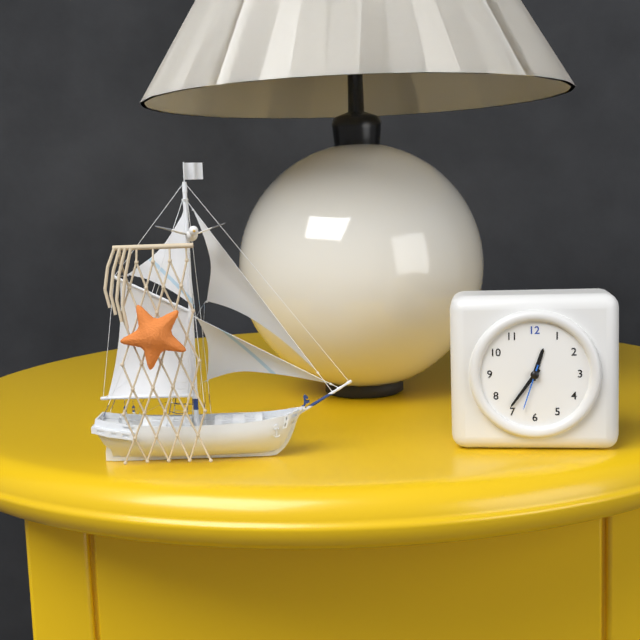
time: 12:36
